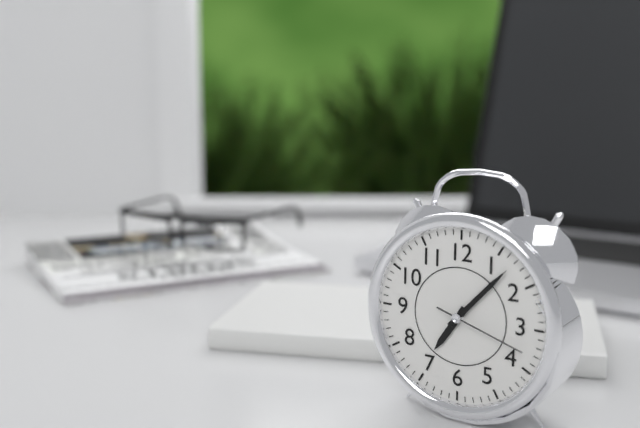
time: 7:07:18
